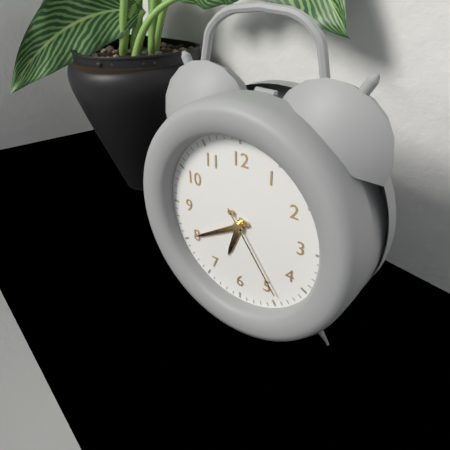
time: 6:40:24
